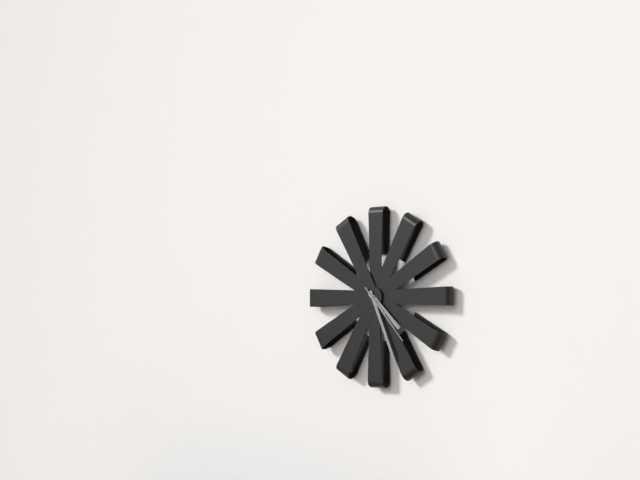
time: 4:26:23
